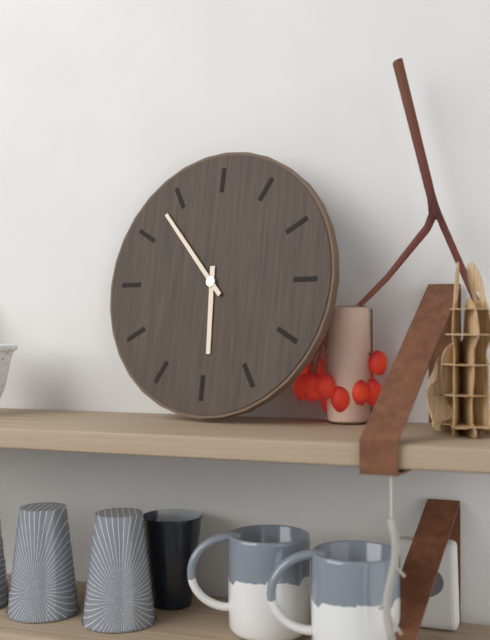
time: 5:53
